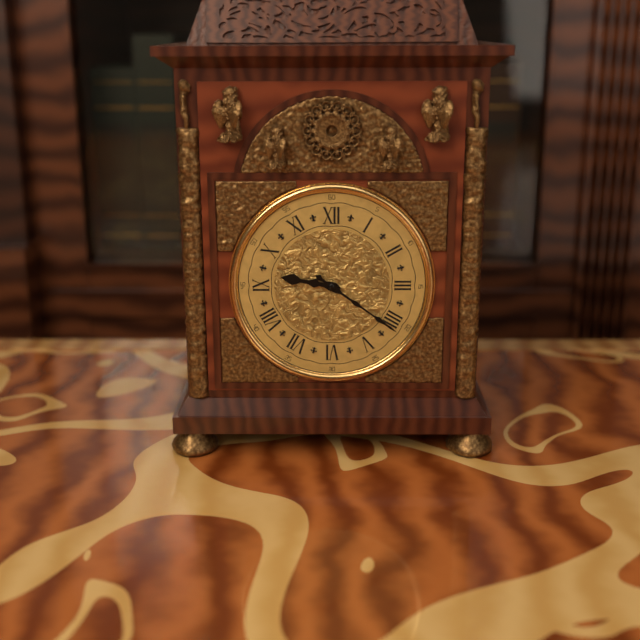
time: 9:21
